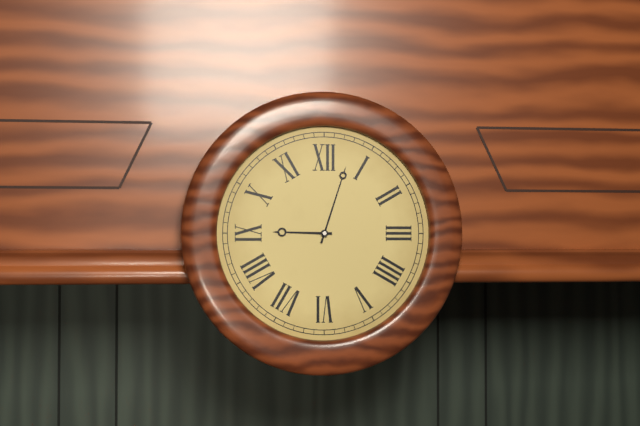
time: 9:03
